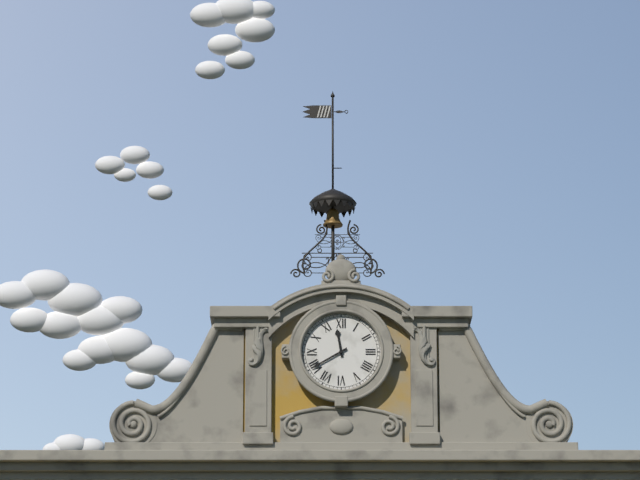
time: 11:40
